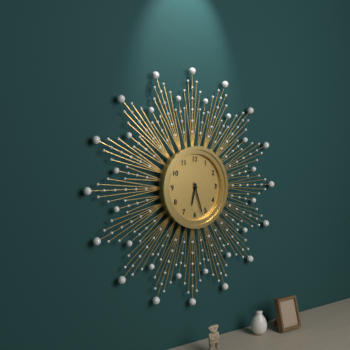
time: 6:27
